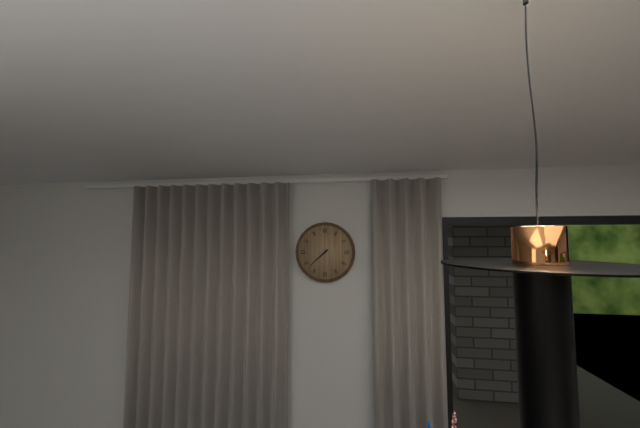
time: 7:38
